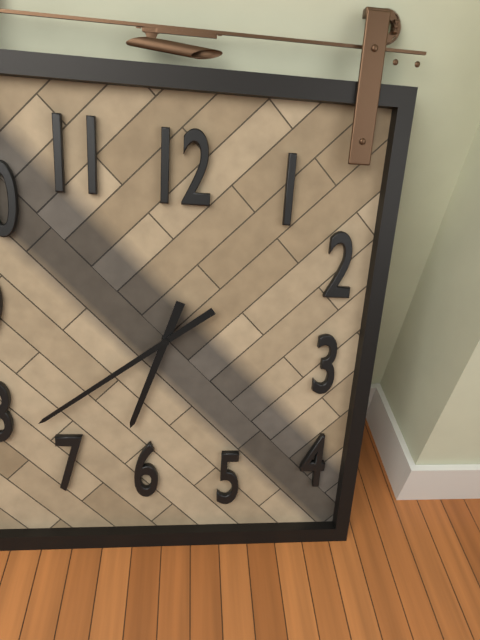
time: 6:39
